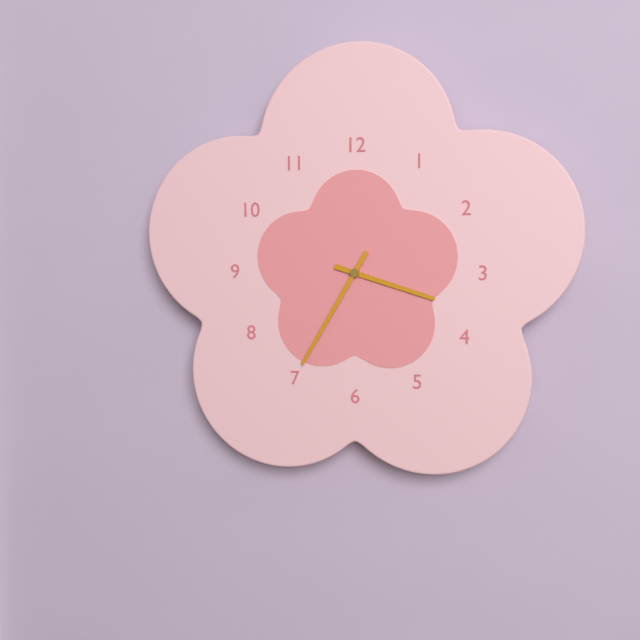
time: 3:35
